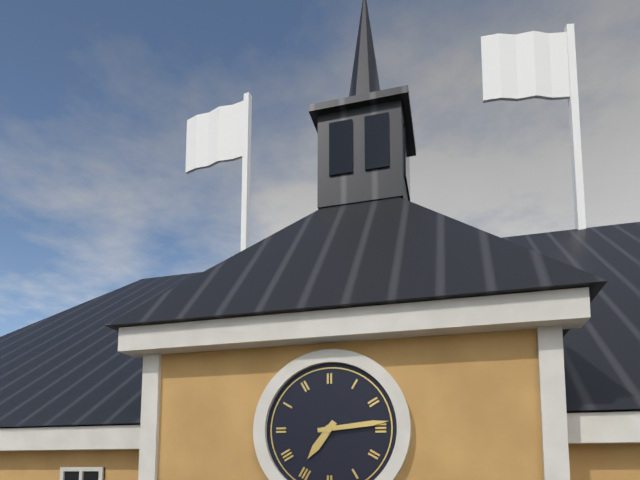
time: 7:14
